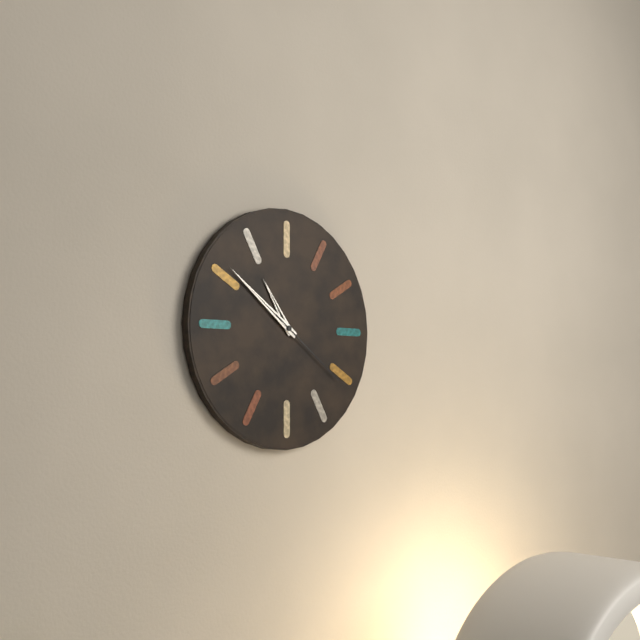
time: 10:51:21
